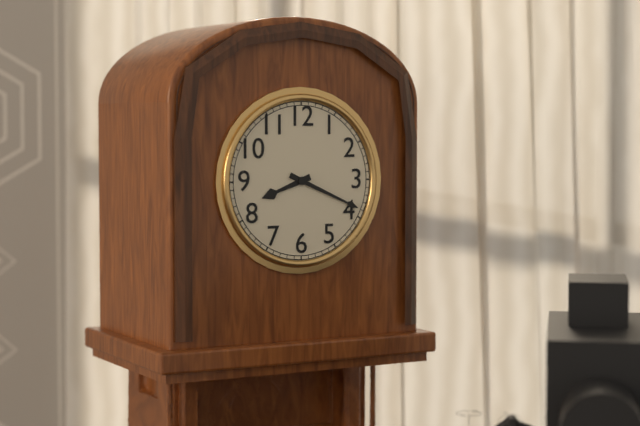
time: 8:19
